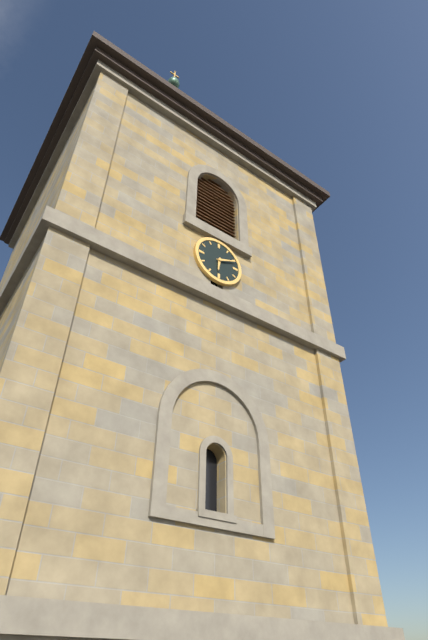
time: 6:11
